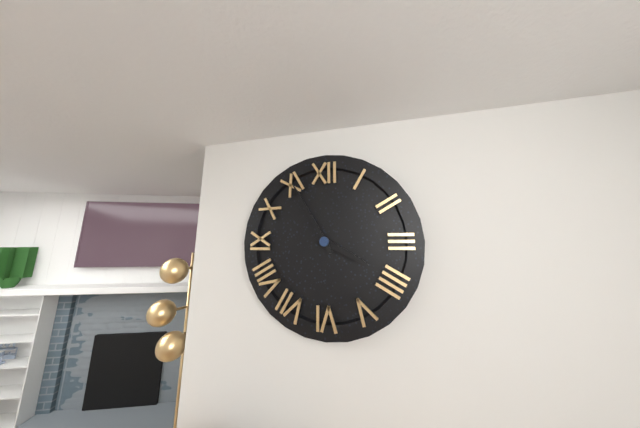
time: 3:55
